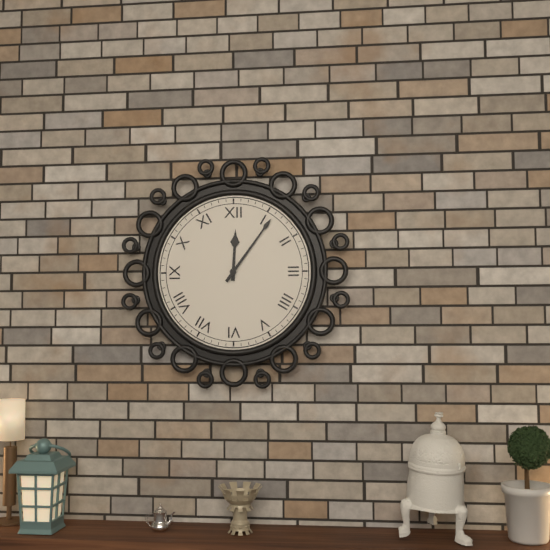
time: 12:06
